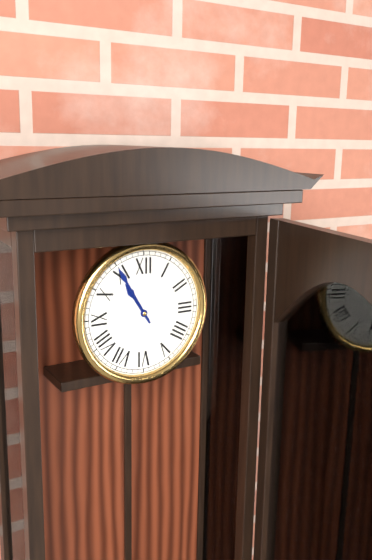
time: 10:55
